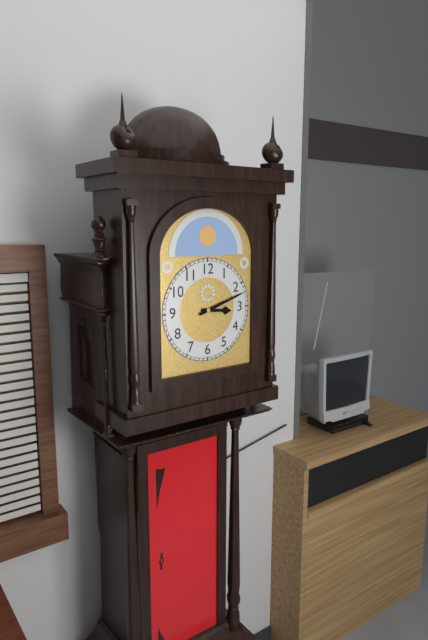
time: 3:12
